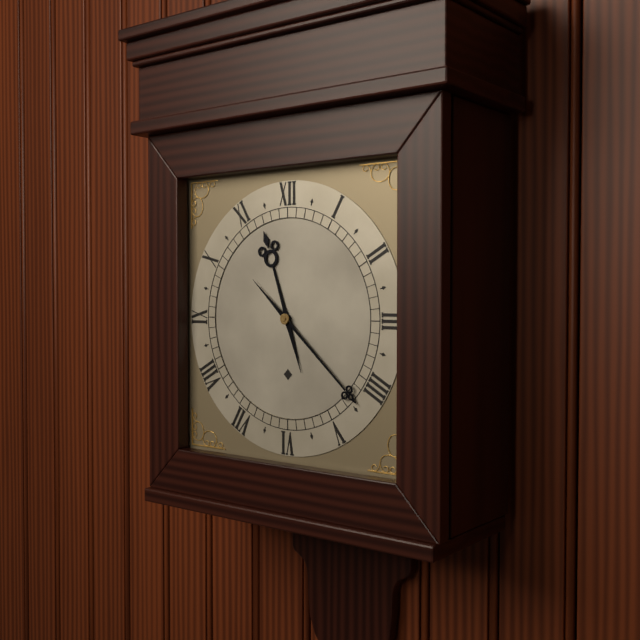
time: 11:22
